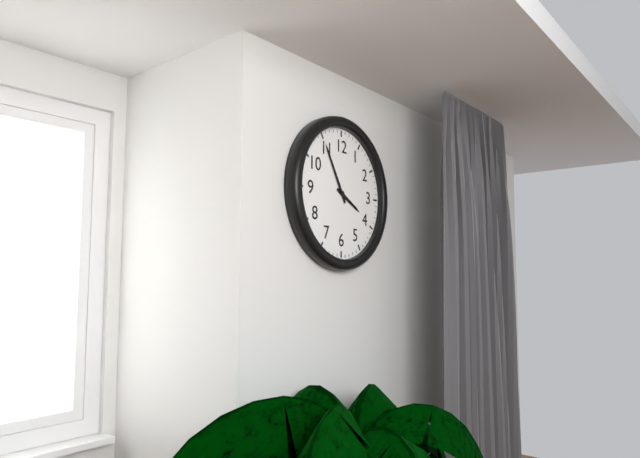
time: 3:55
